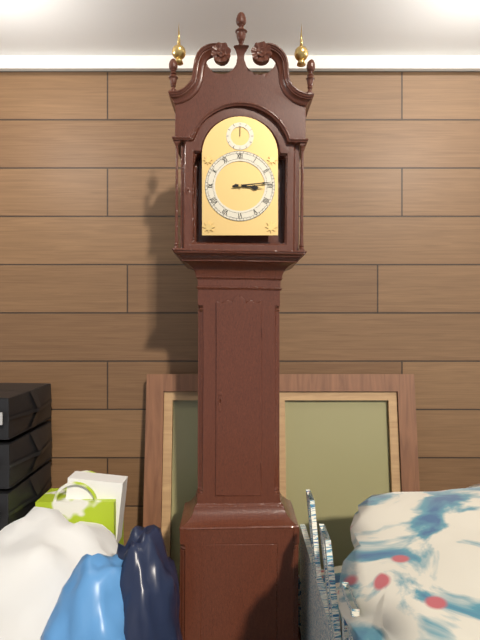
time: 3:14
